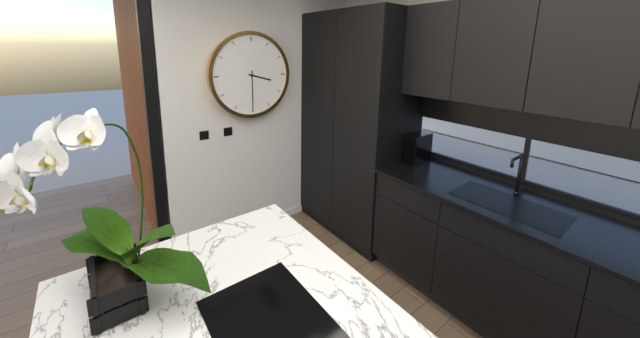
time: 3:30
